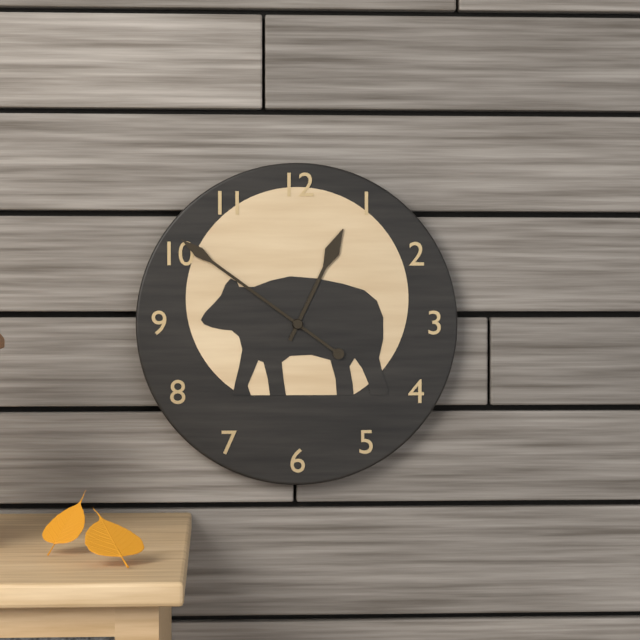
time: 12:51
